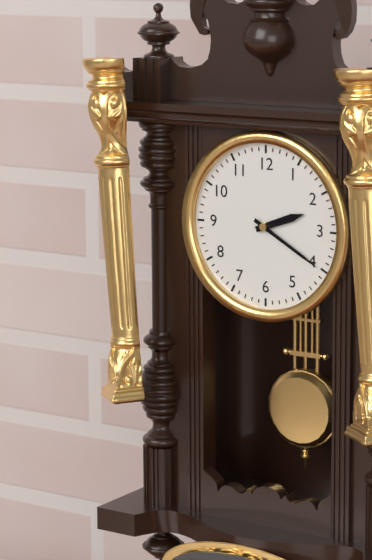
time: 2:20
